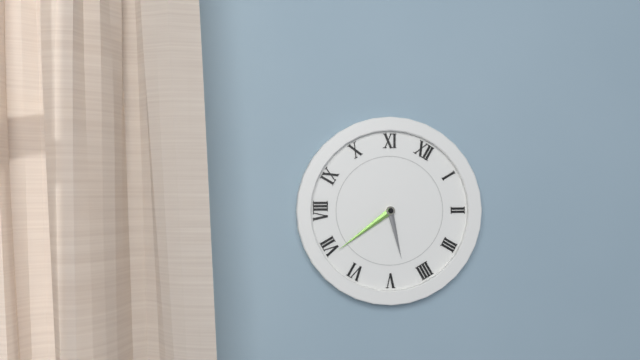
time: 4:34
